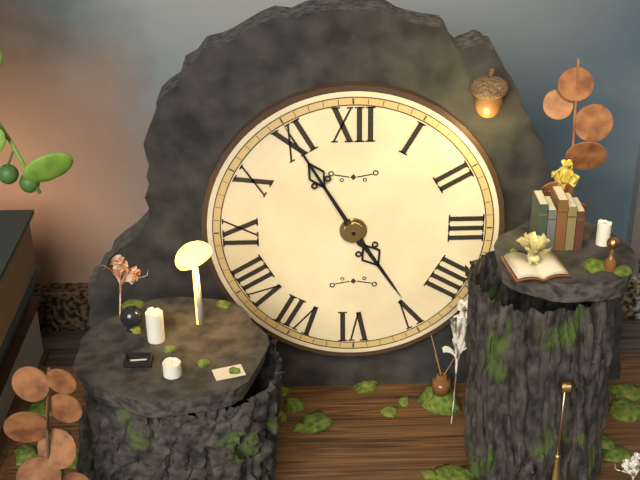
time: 4:55
